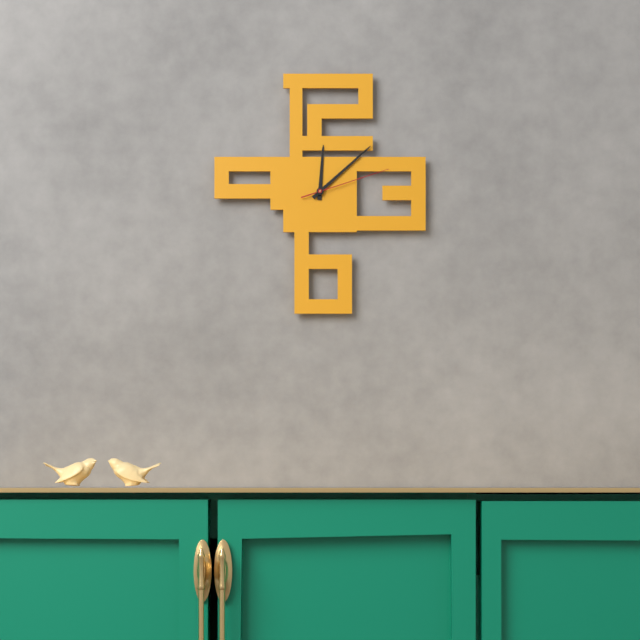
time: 12:08:12
